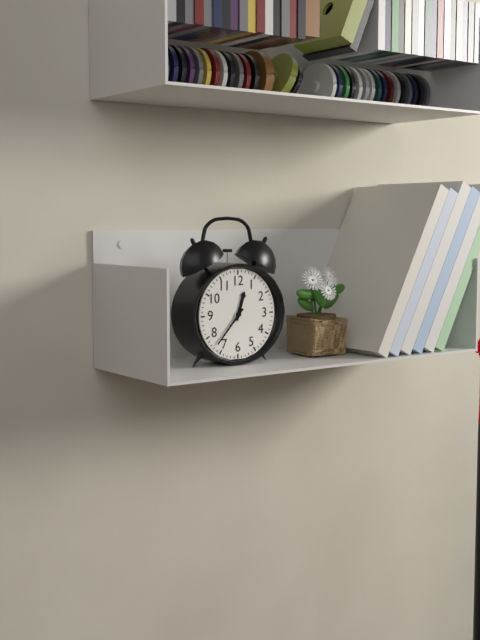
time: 12:37
